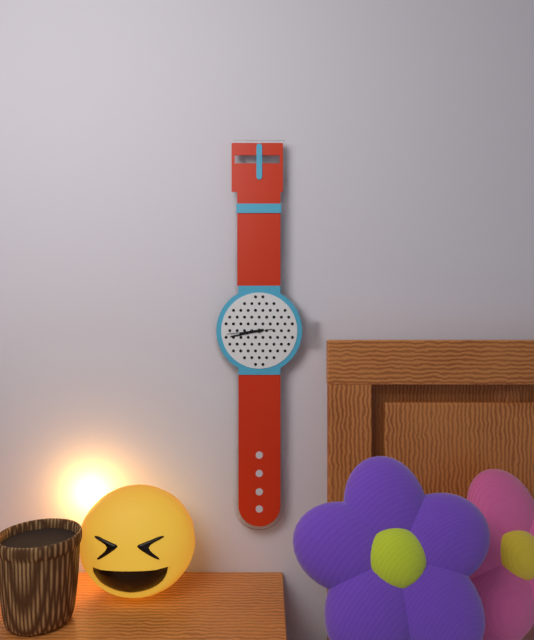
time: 8:43
